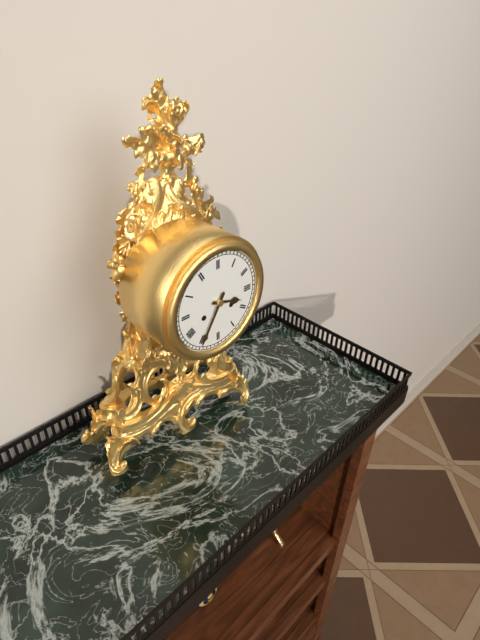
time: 3:35
